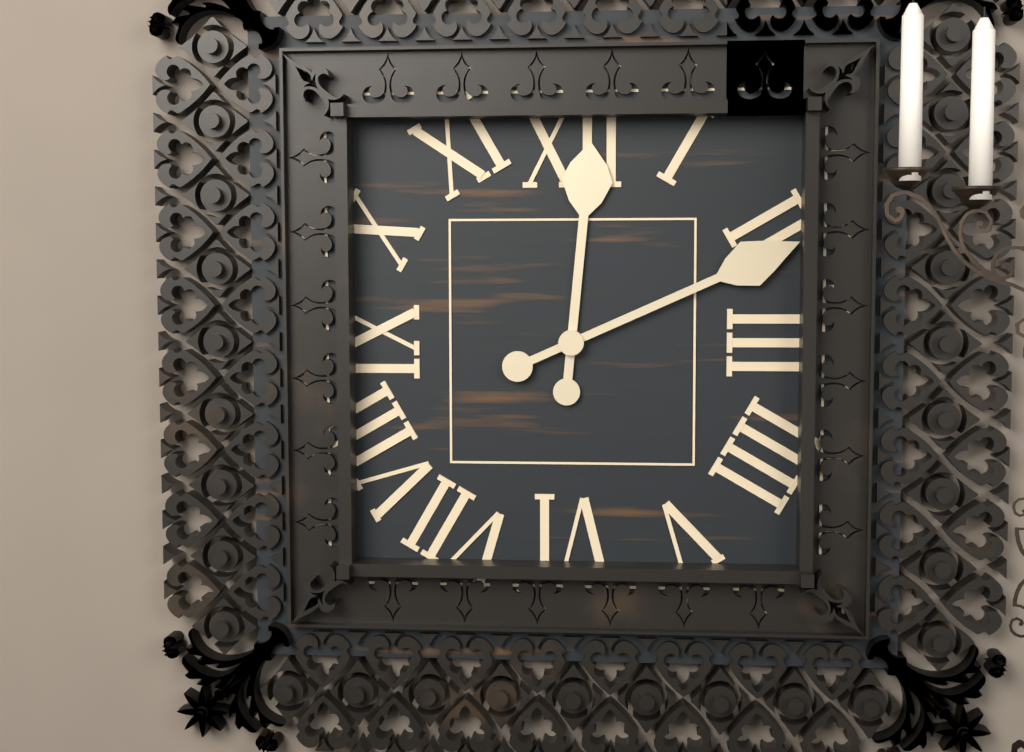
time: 12:11
